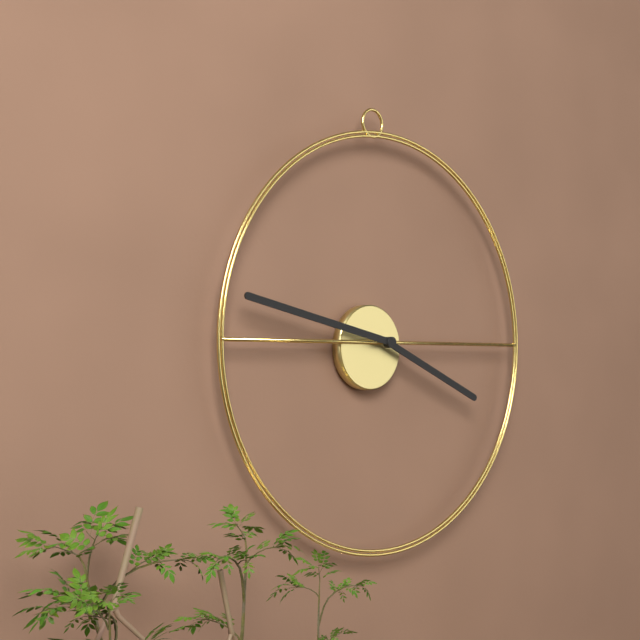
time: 3:47
